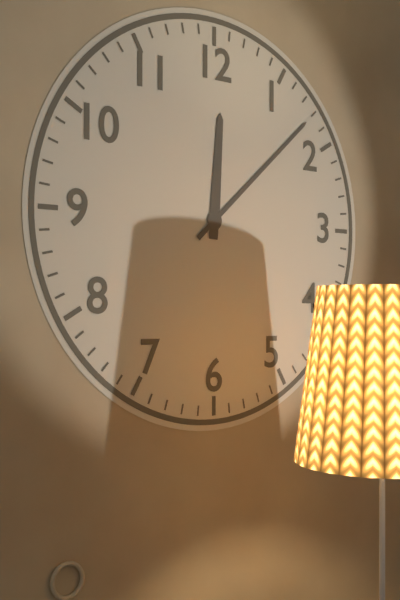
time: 12:08
